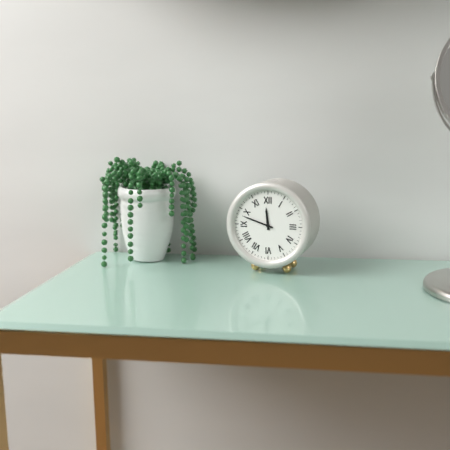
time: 11:48
